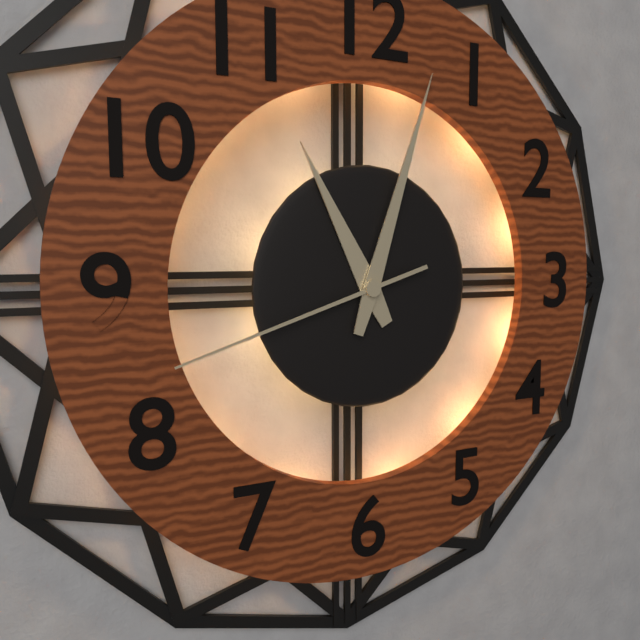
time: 11:03:42
